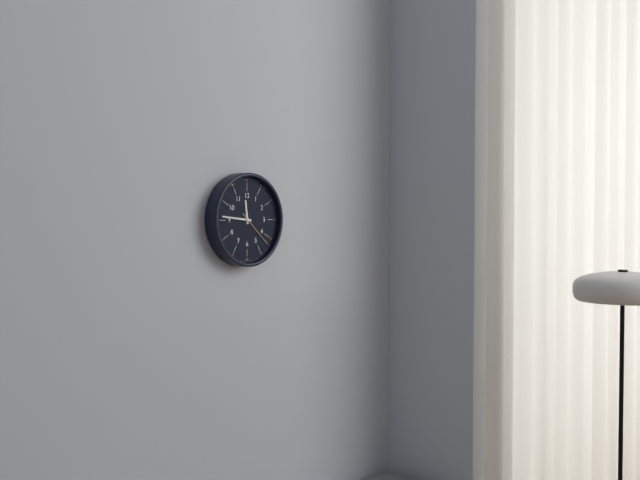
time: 11:46
